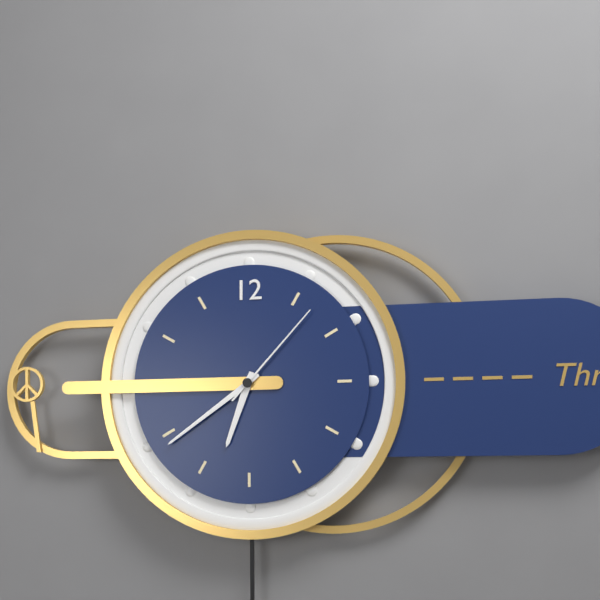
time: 6:39:07
